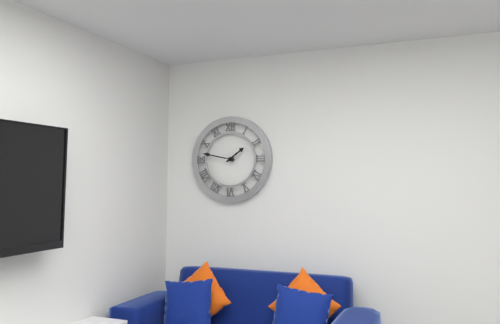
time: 1:47
